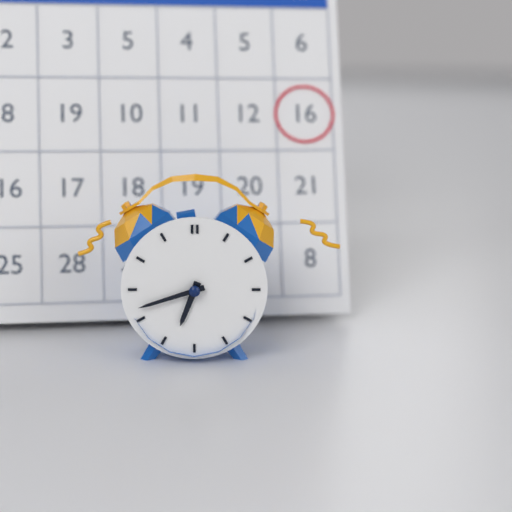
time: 6:42
